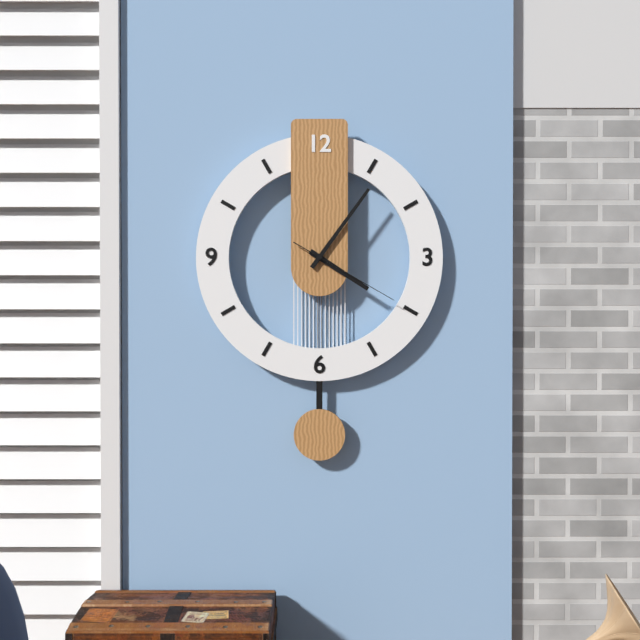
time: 4:06:20
